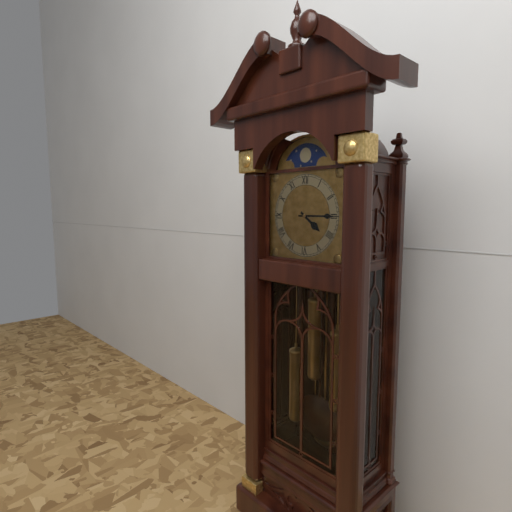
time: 4:15
